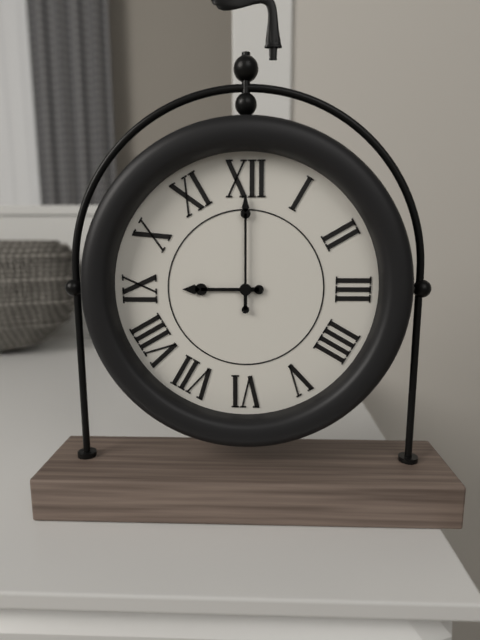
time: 9:00
